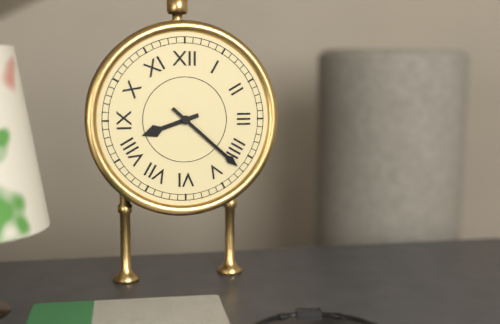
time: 8:22
